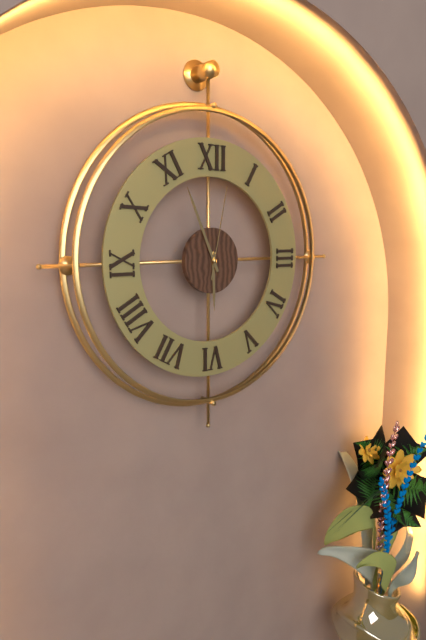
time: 5:56:02
